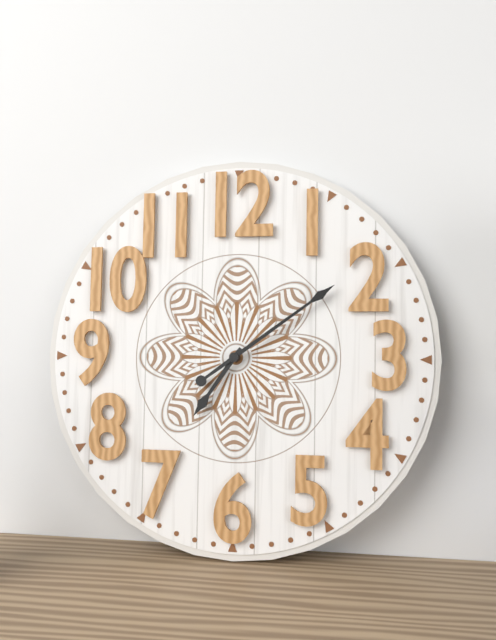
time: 7:09
